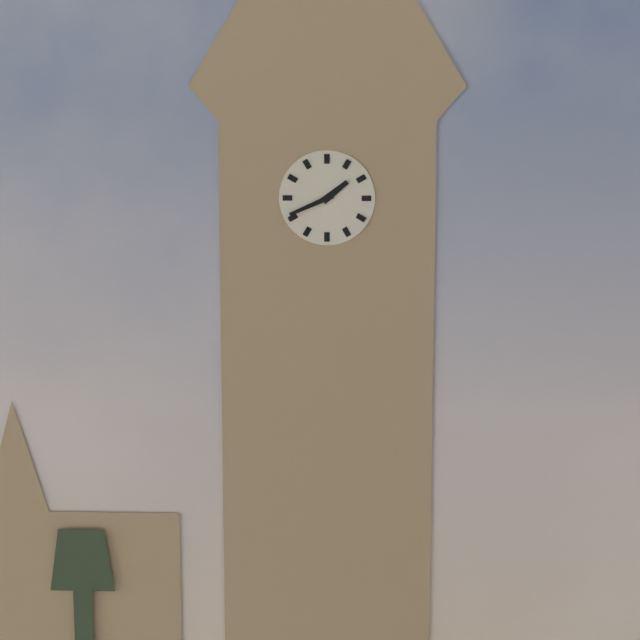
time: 1:41
